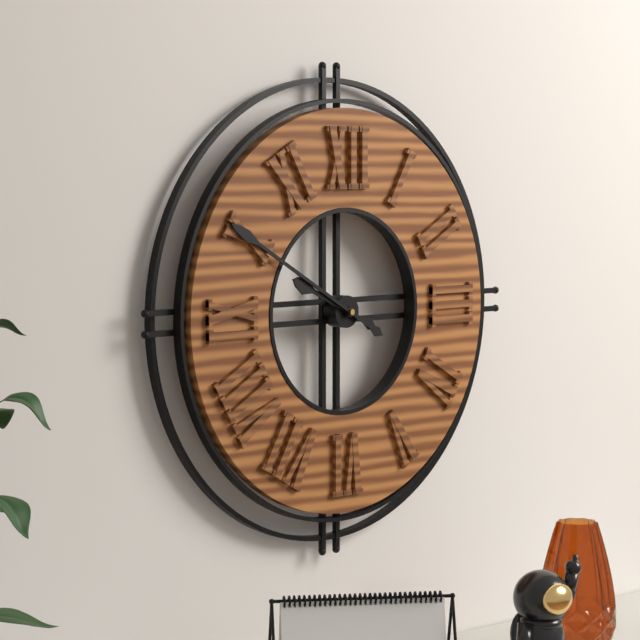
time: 9:50
